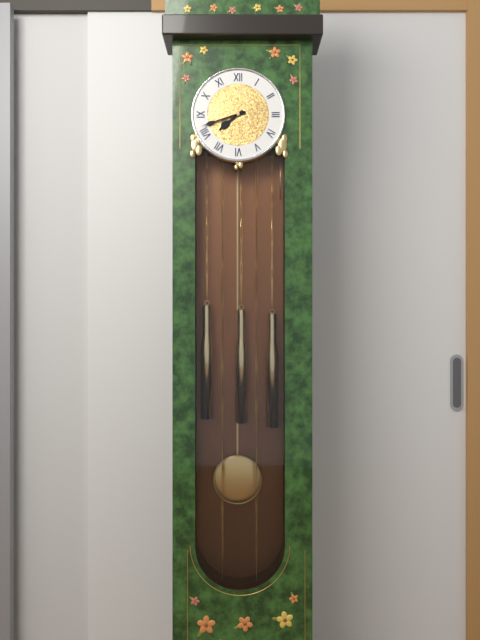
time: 7:42
